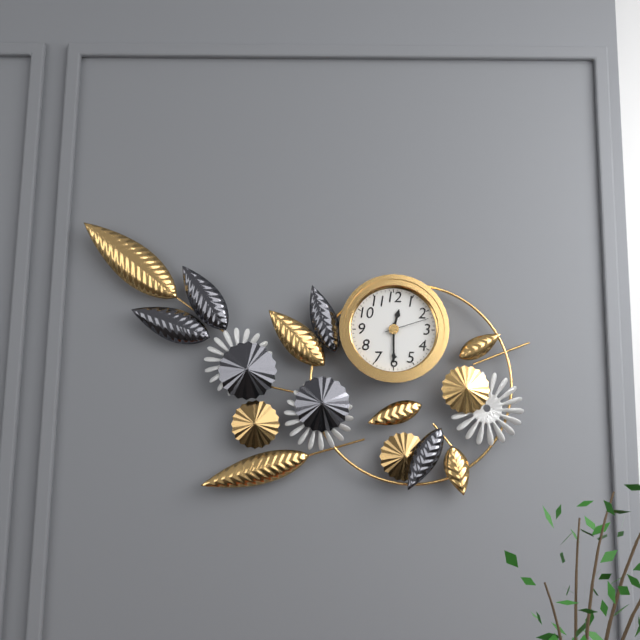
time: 12:30
